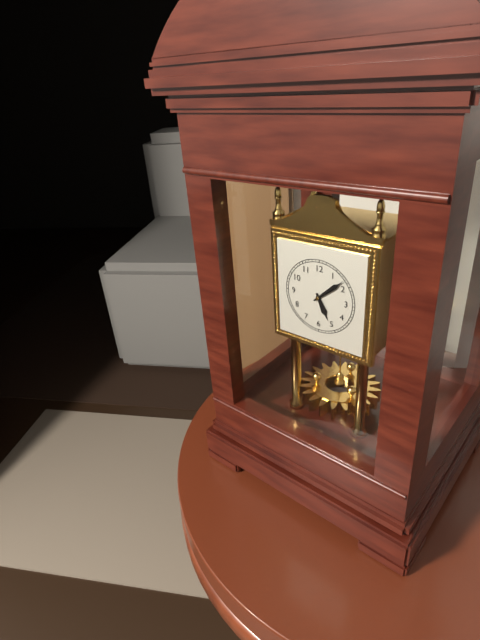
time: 5:08
